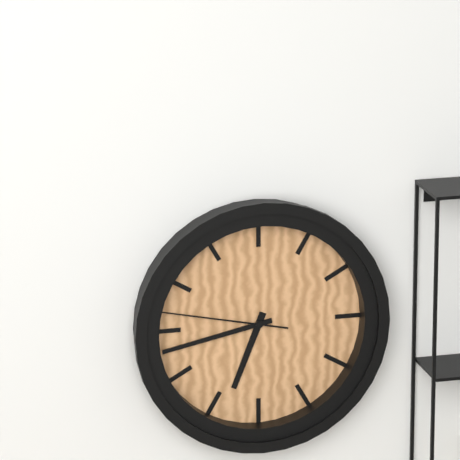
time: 6:43:47
